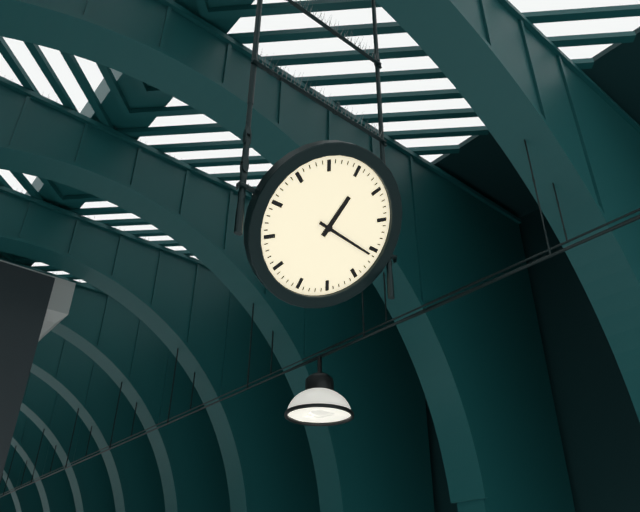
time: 12:16
